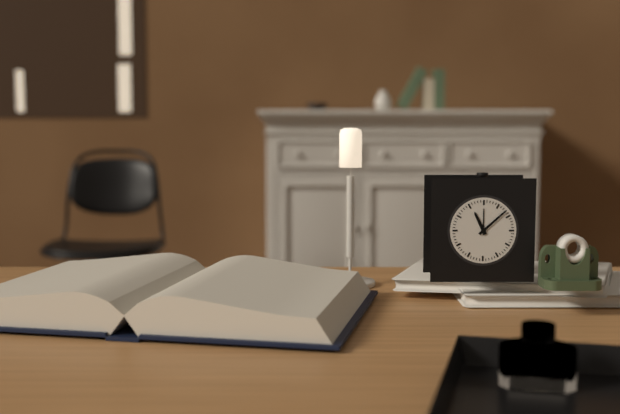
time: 11:08
